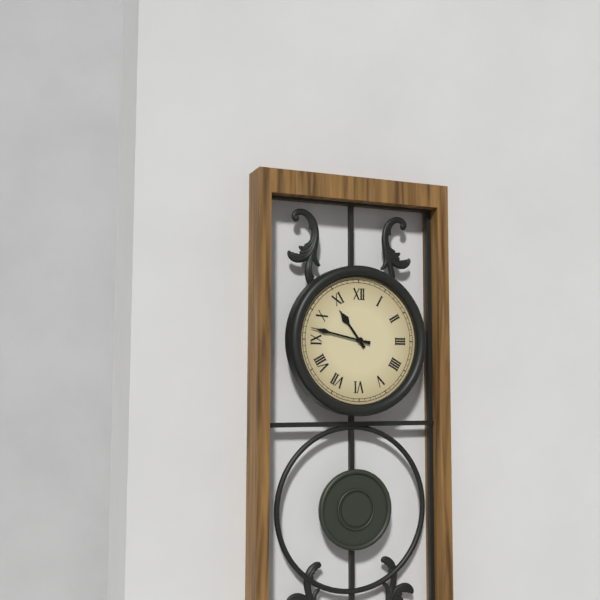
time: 10:47
